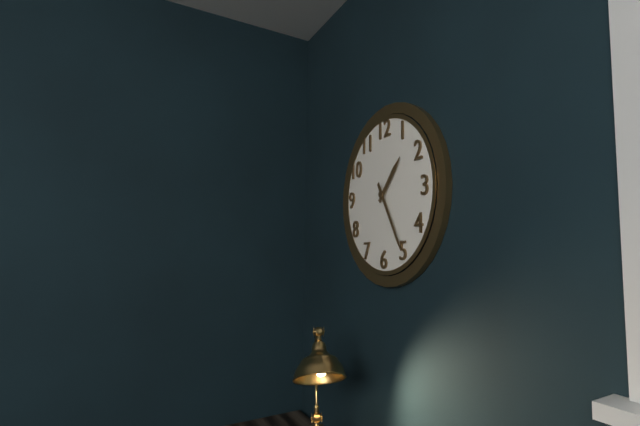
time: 1:25
